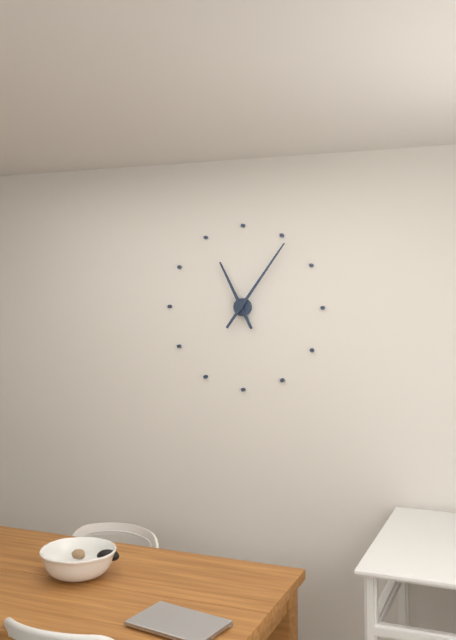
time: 11:06
